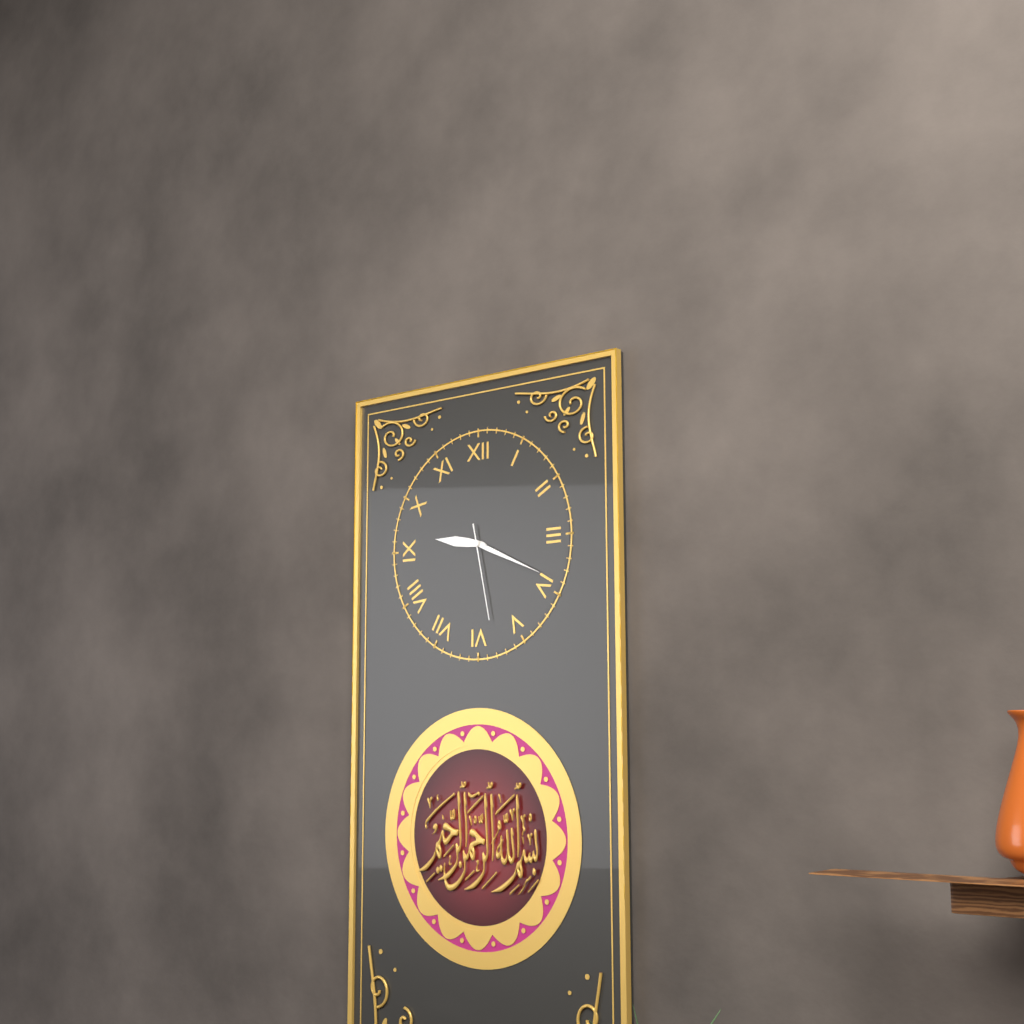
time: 9:19:28
